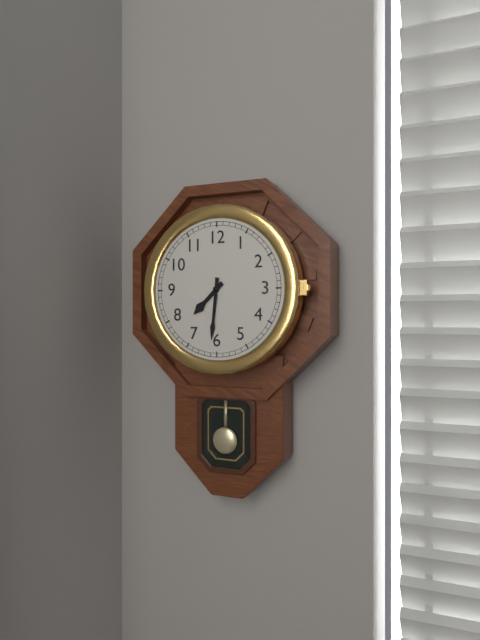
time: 7:31
